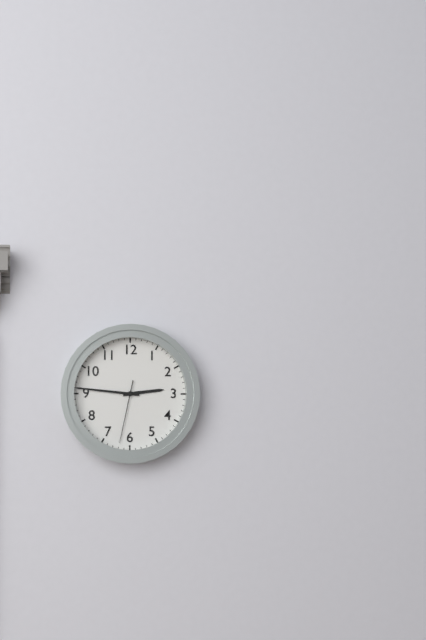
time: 2:46:32
